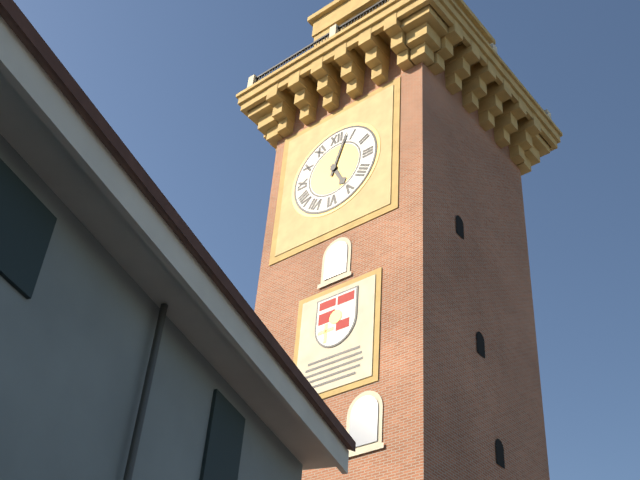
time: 5:03
